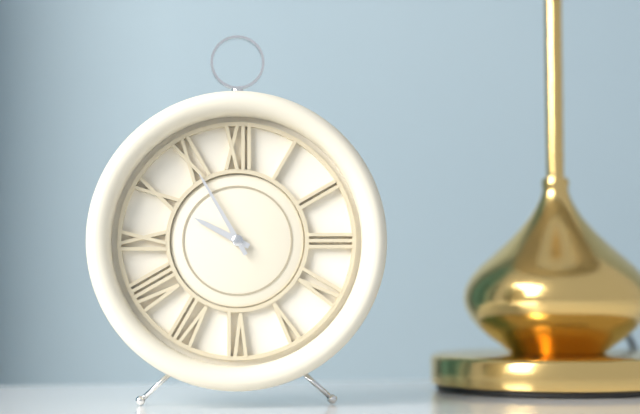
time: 9:55
